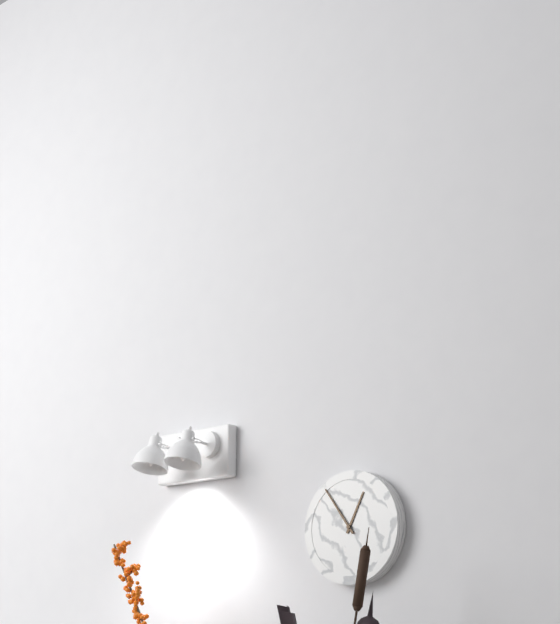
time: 12:54
